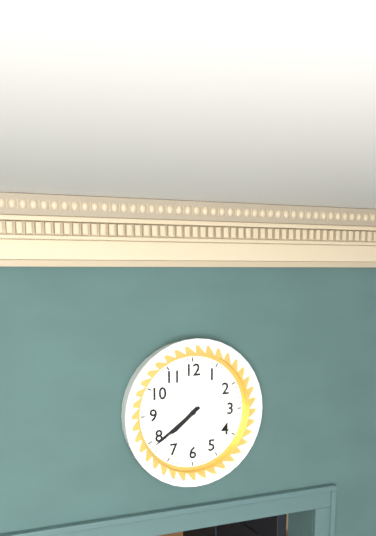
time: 7:39
